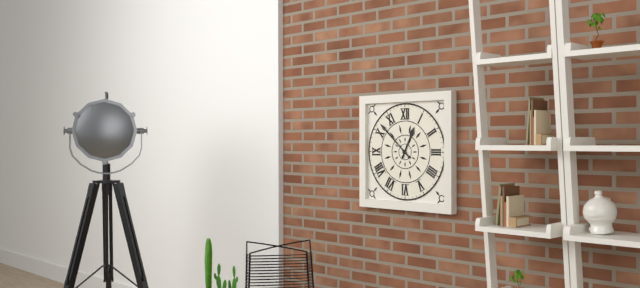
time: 12:52
